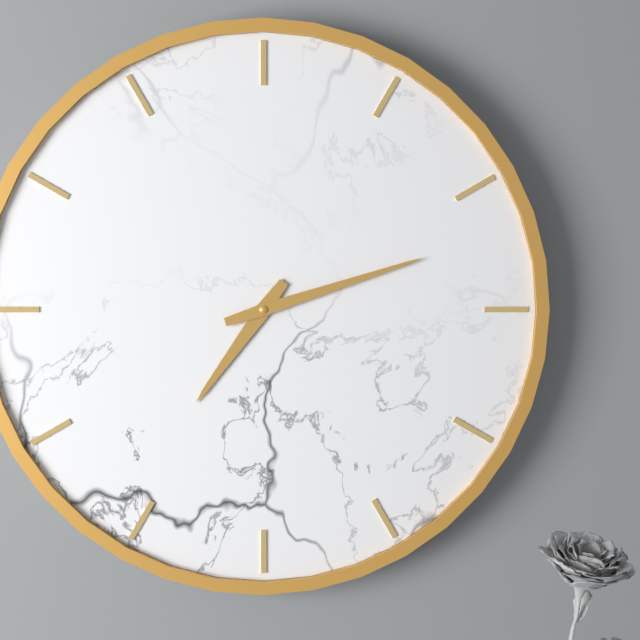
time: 7:12
